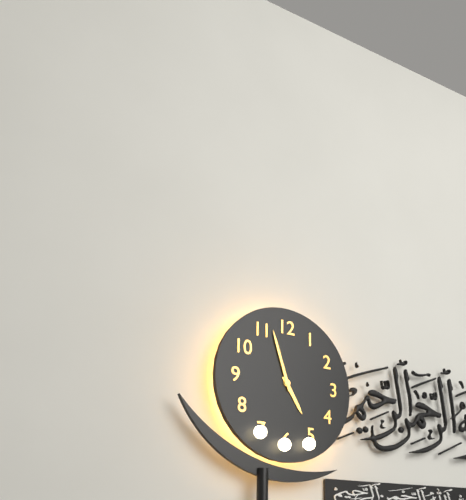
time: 4:57
